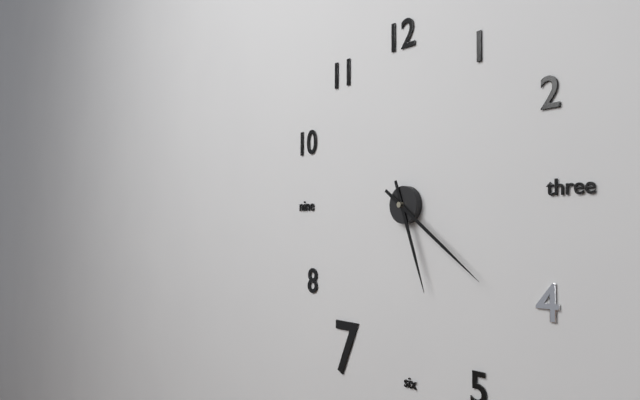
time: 5:21
